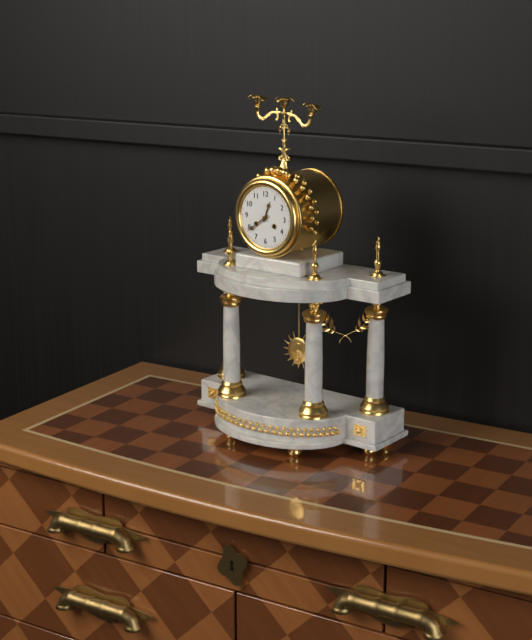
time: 12:39
